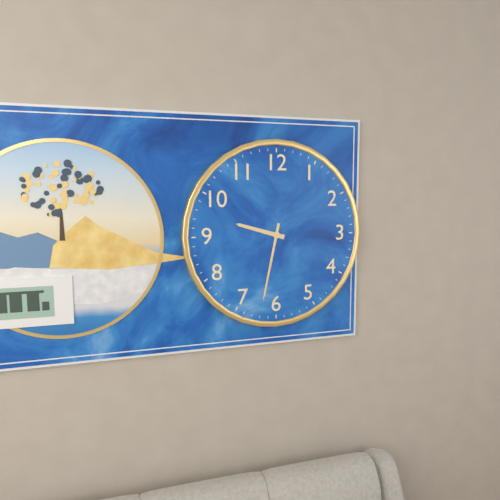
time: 9:32
